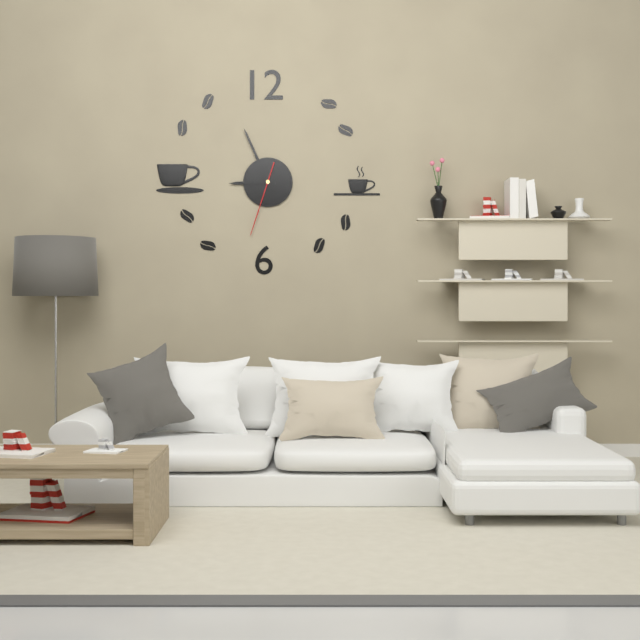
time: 8:56:33
